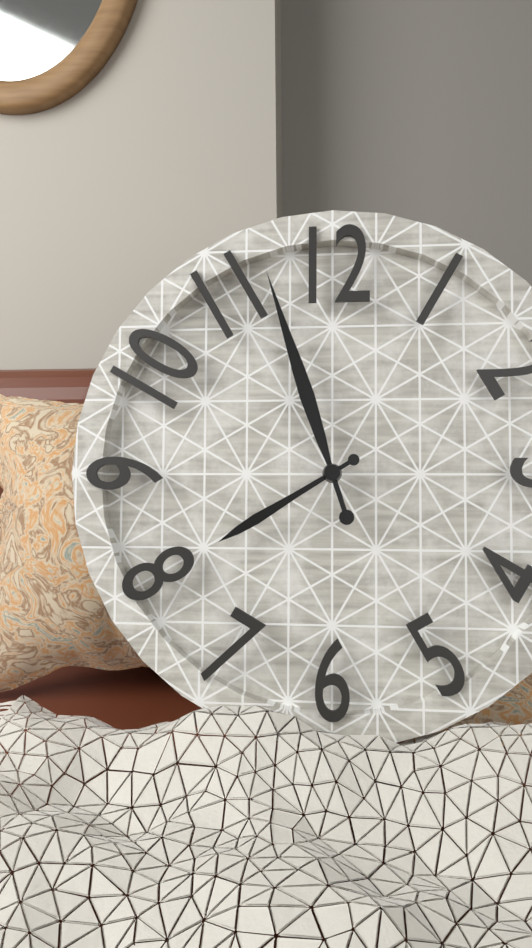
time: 7:57
